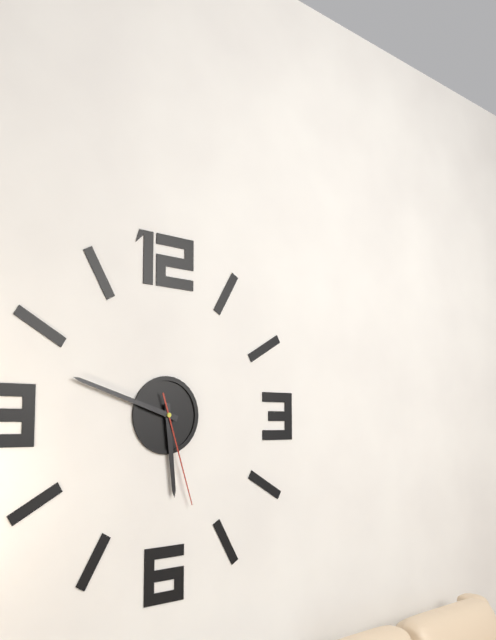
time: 5:48:27
